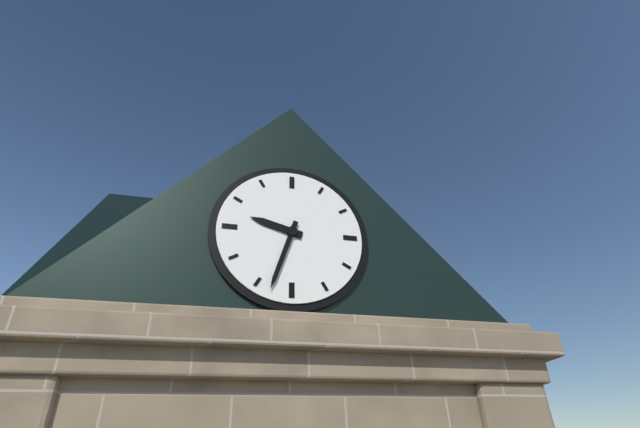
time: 9:33
